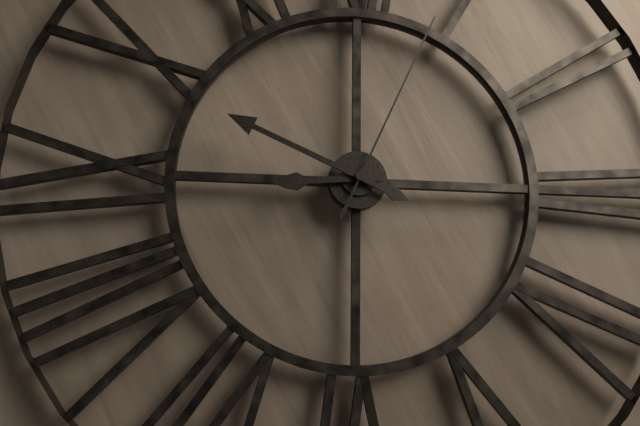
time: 8:49:04
